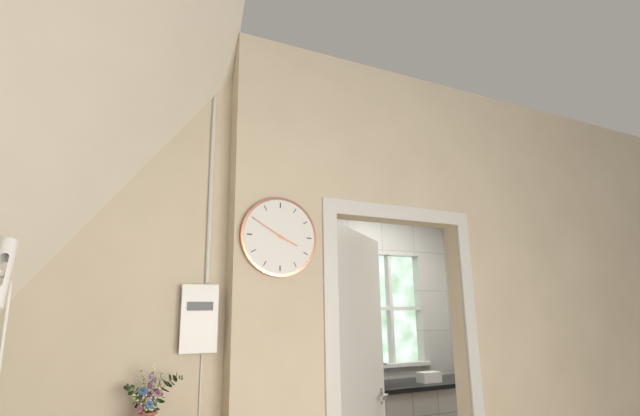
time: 3:50
